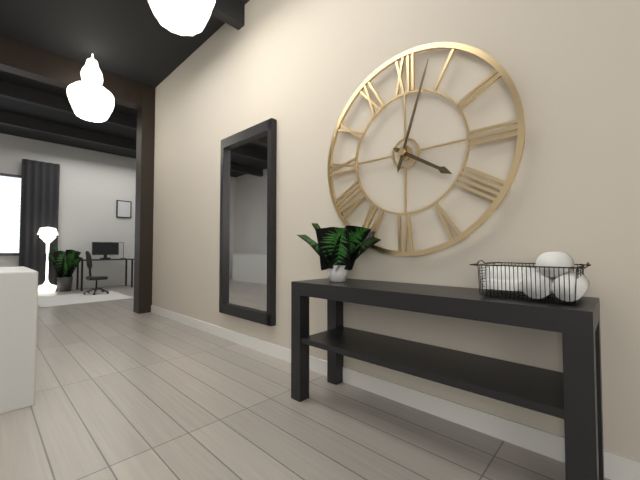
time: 4:03
